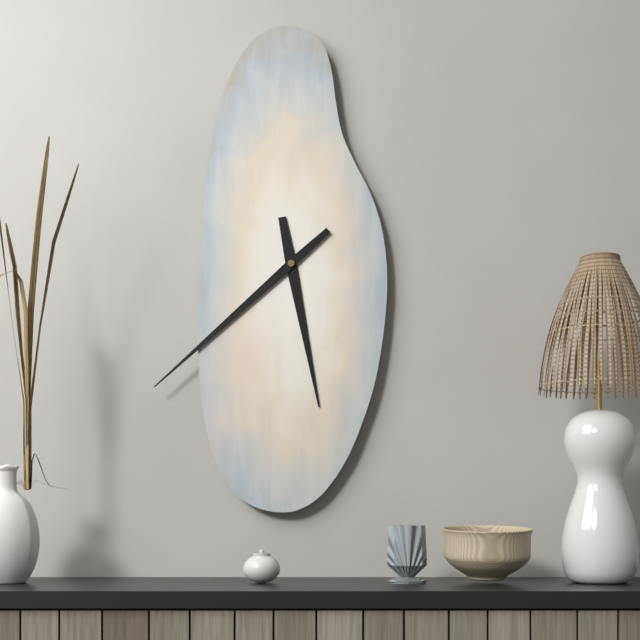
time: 5:38
